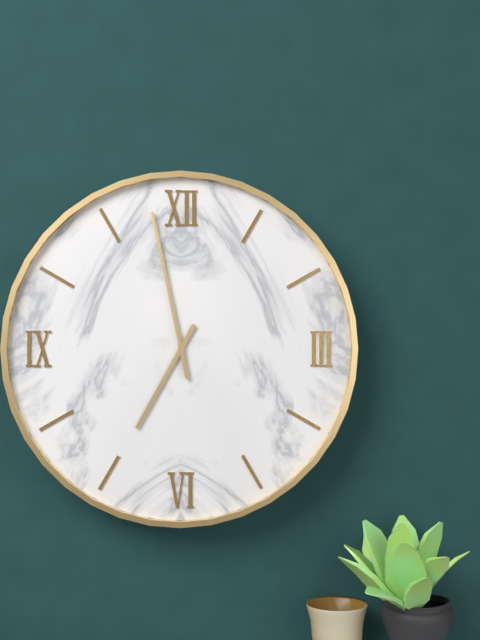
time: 6:58
